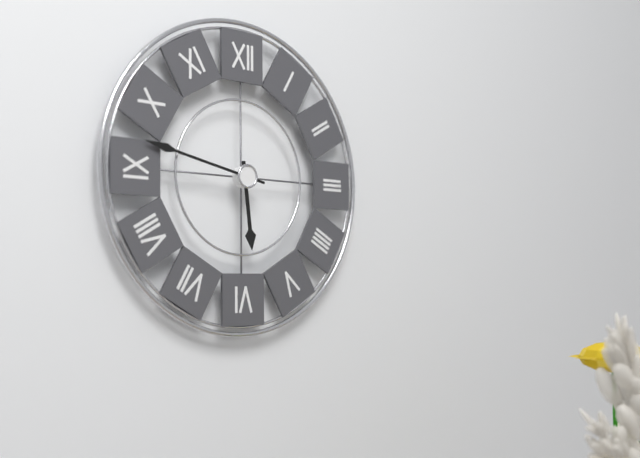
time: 5:47
